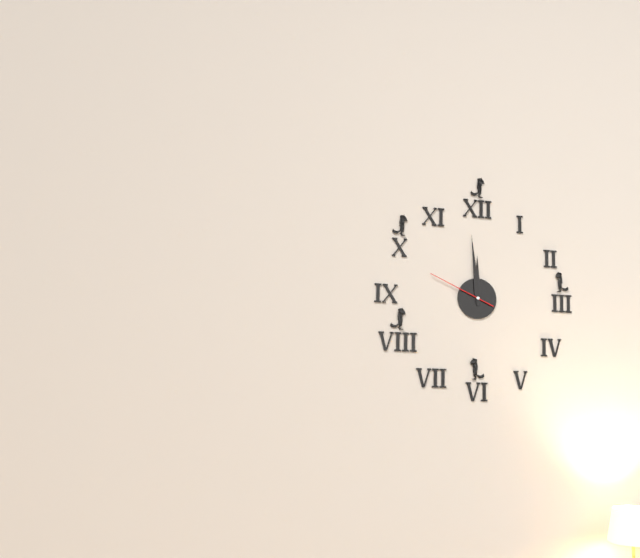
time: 11:59:49
